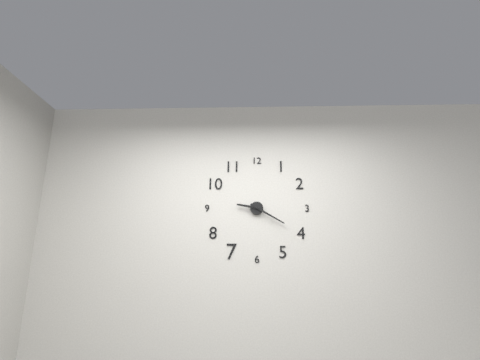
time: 9:20
